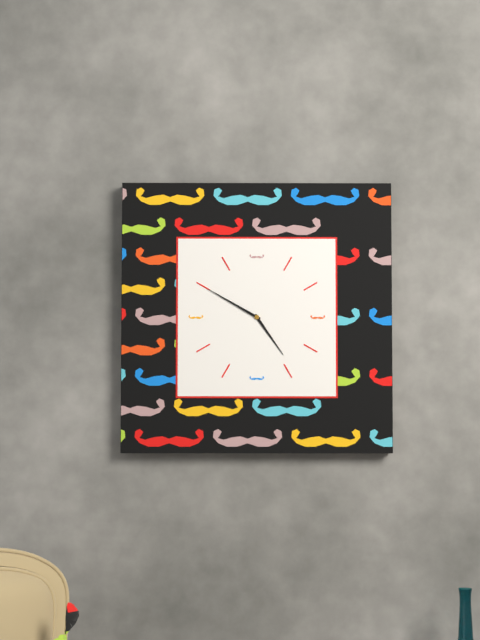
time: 4:50
